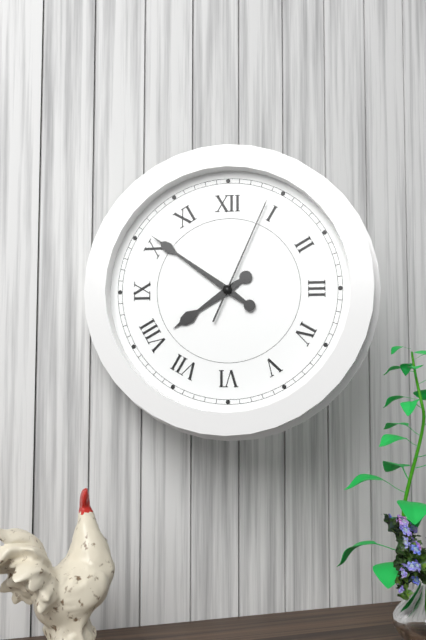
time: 7:51:04
